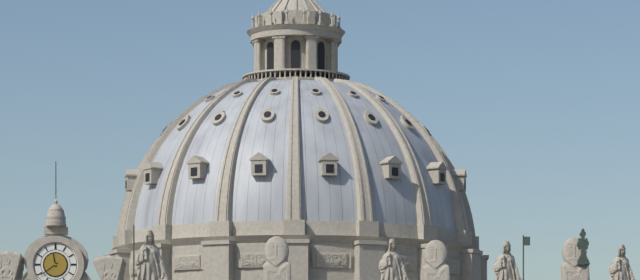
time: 11:39
